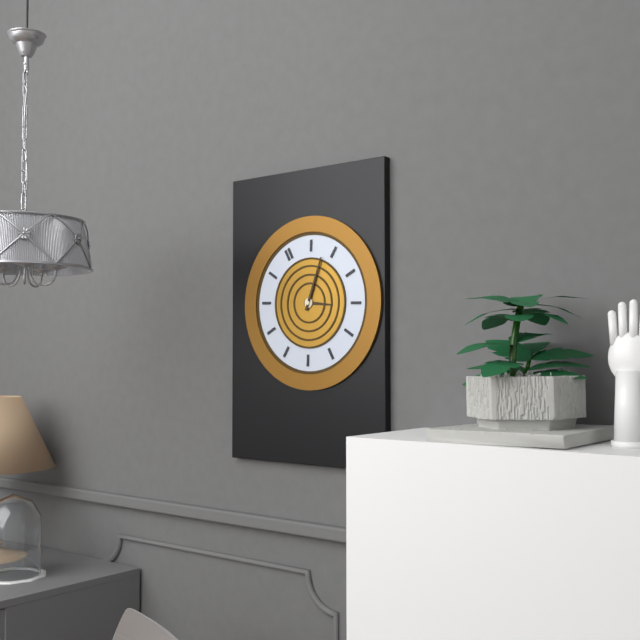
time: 4:08
